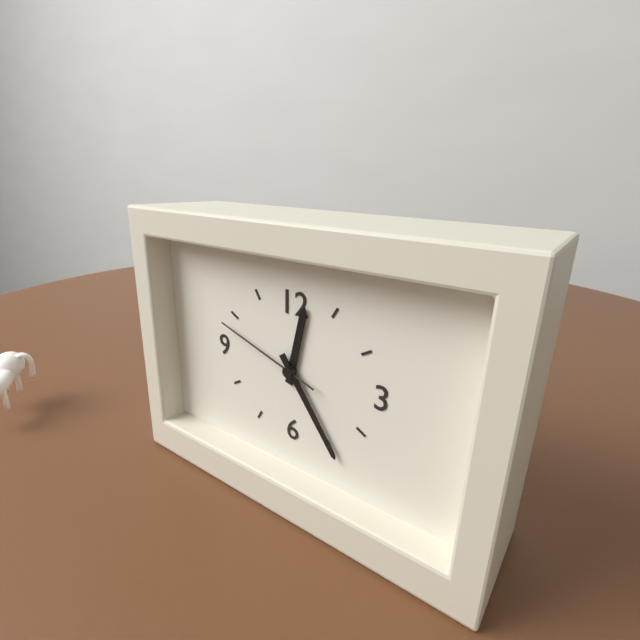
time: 12:24:48
